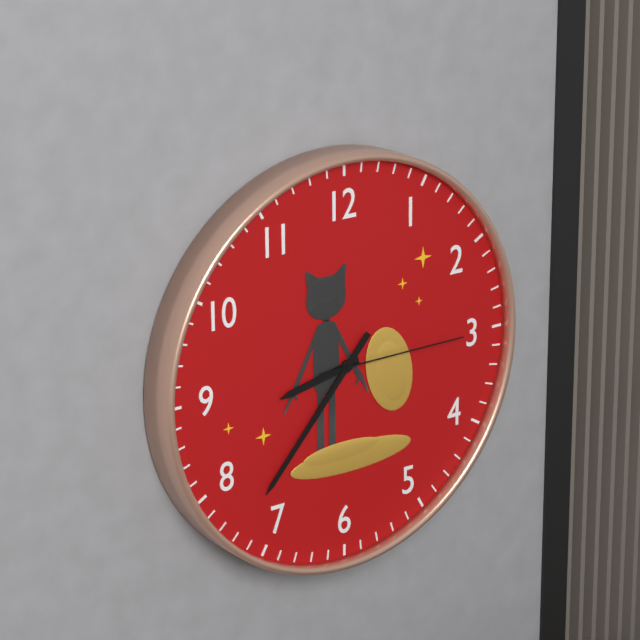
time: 8:37:15
